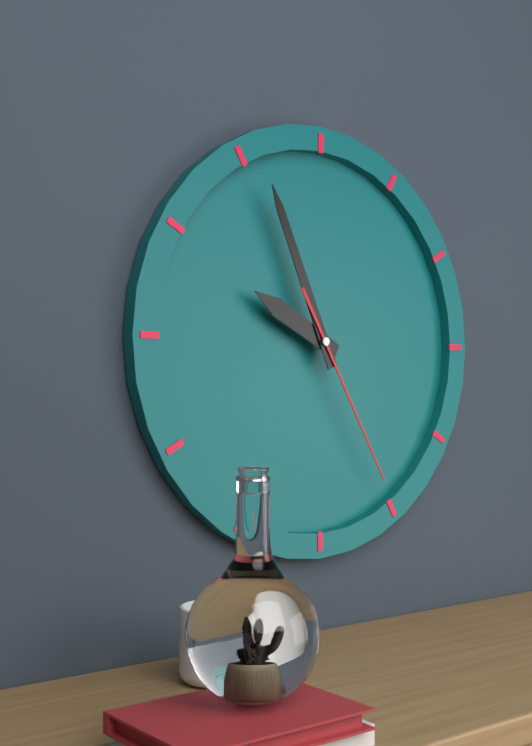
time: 9:56:25
